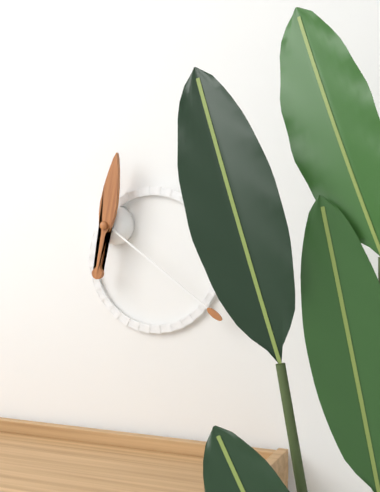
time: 12:21
